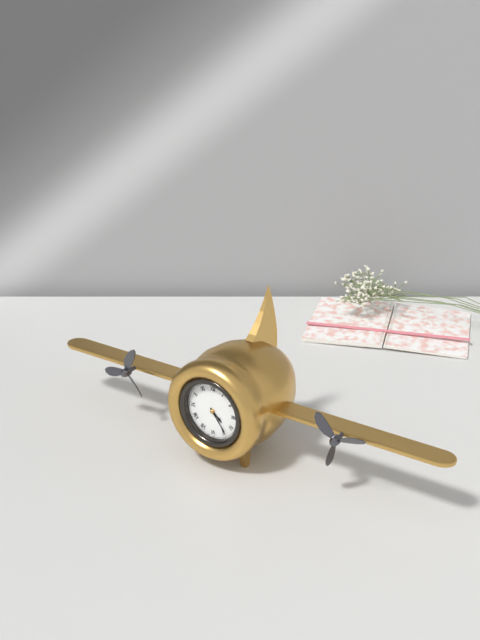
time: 4:24
